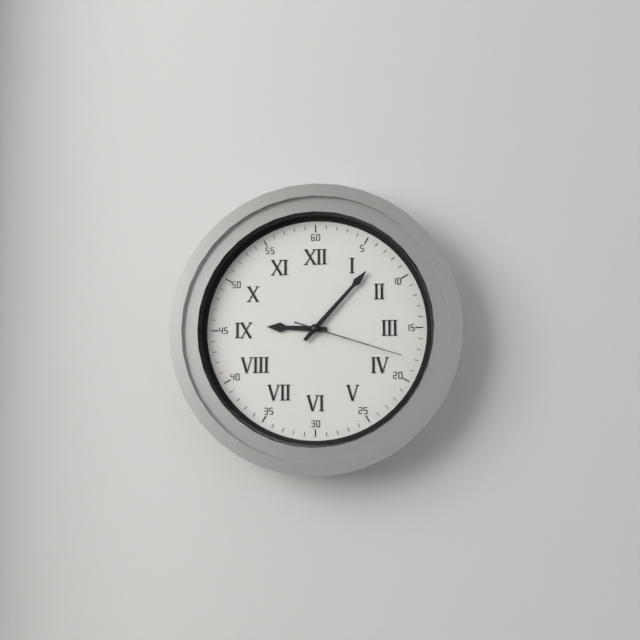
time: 9:07:18
